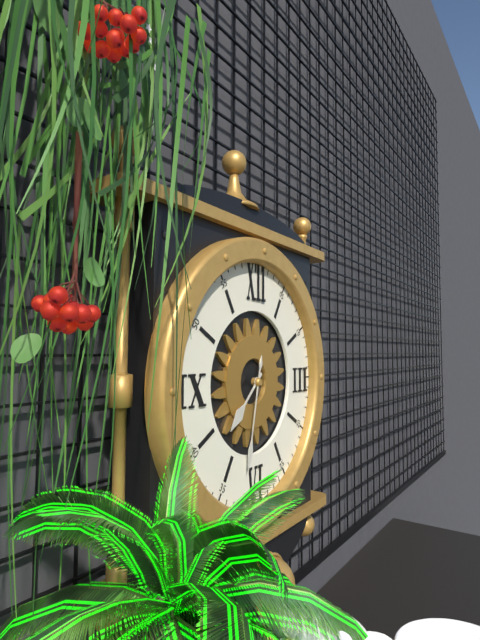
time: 7:32
